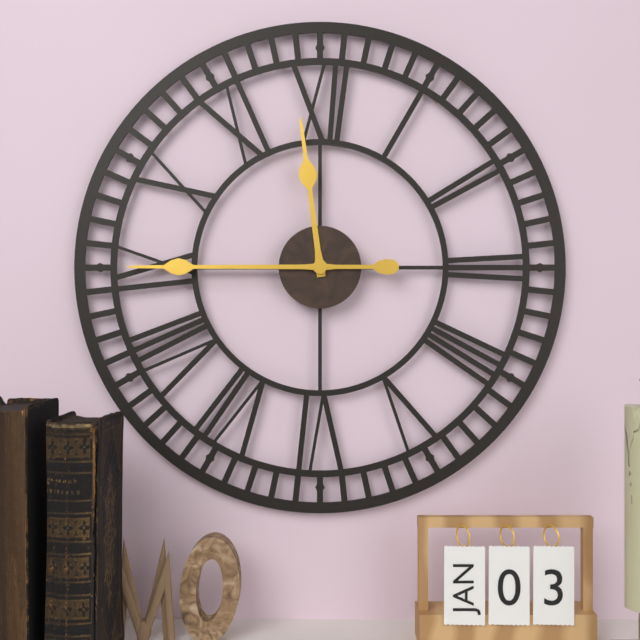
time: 11:45
